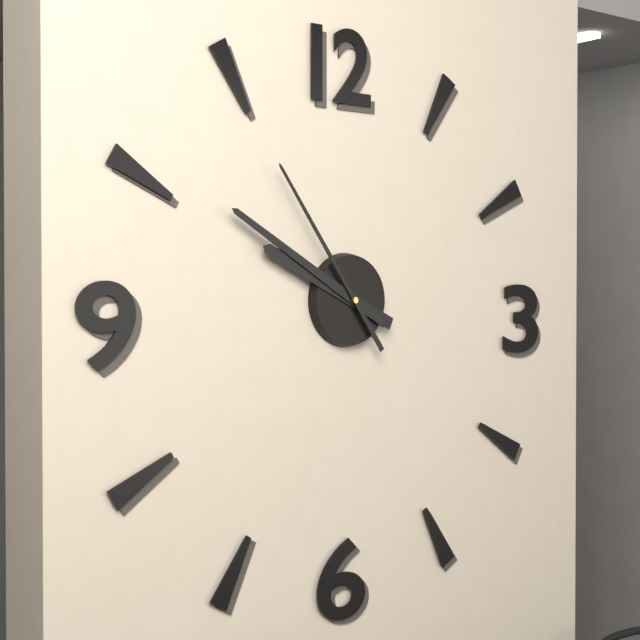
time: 9:50:54
